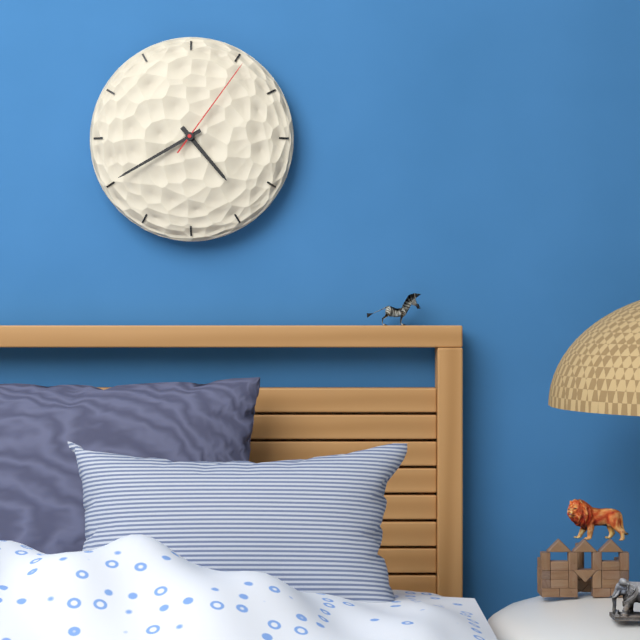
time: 4:40:06
